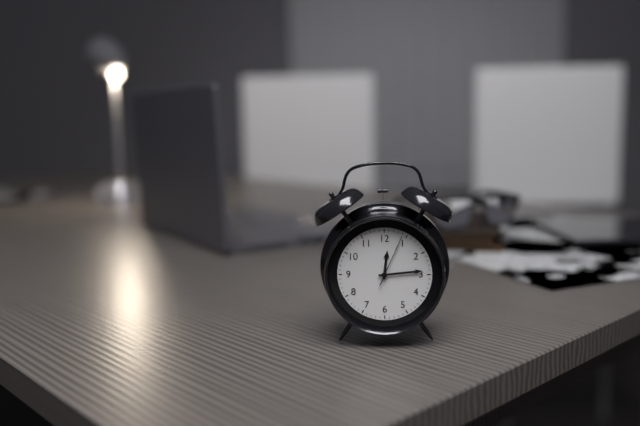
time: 12:14:04
